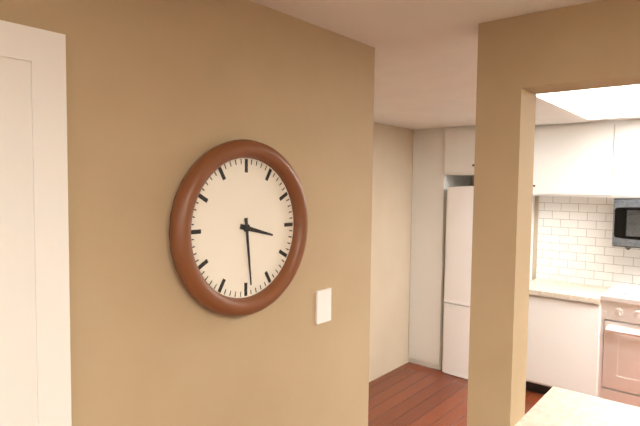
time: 3:29
